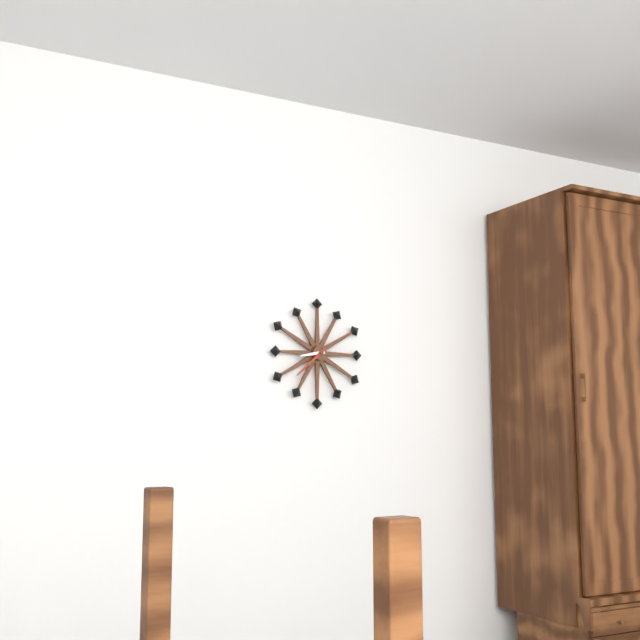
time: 8:38
